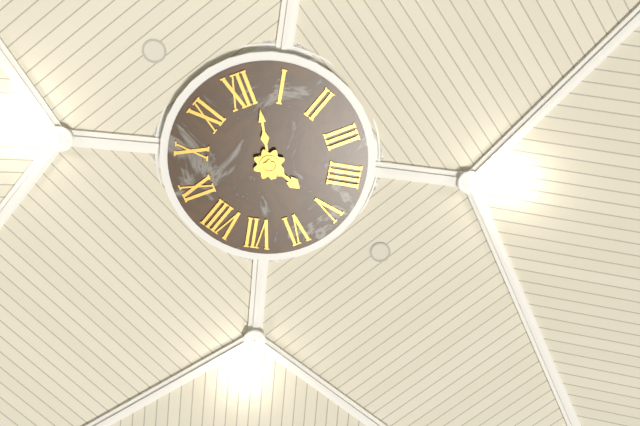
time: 5:02
